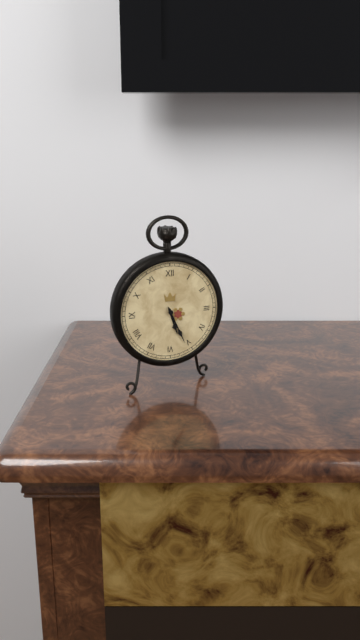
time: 5:26
